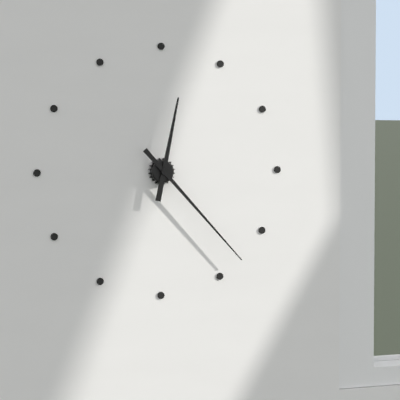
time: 12:23
